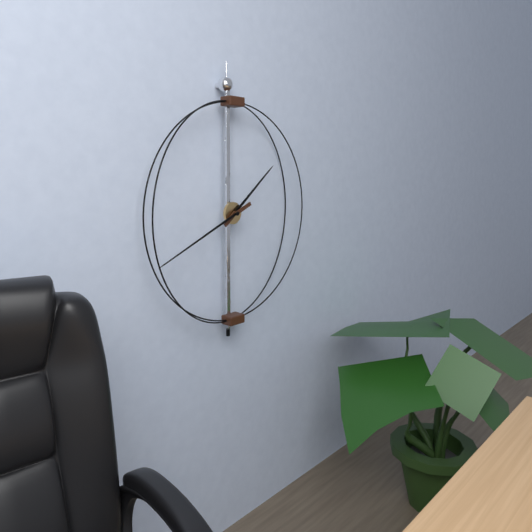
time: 1:41
